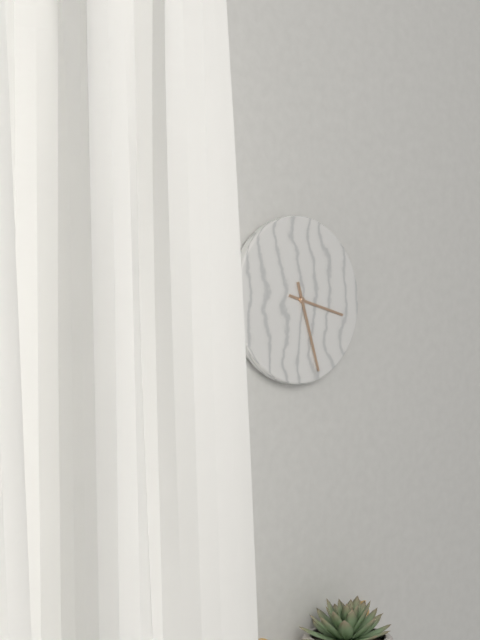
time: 3:27
